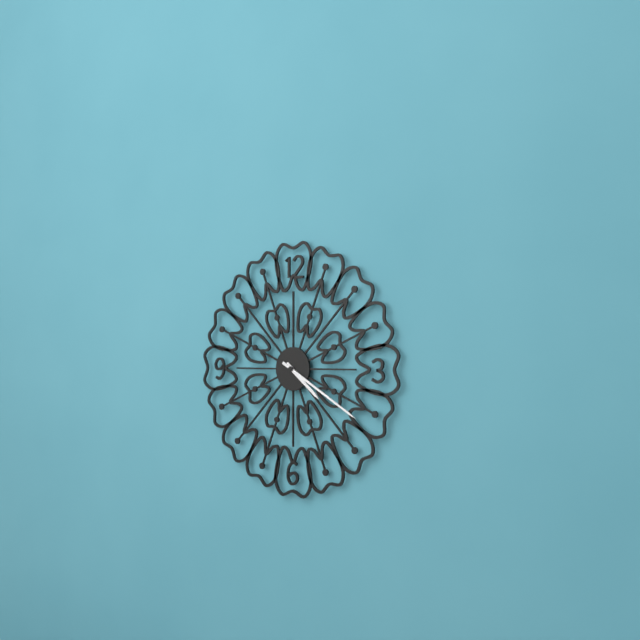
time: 4:20
